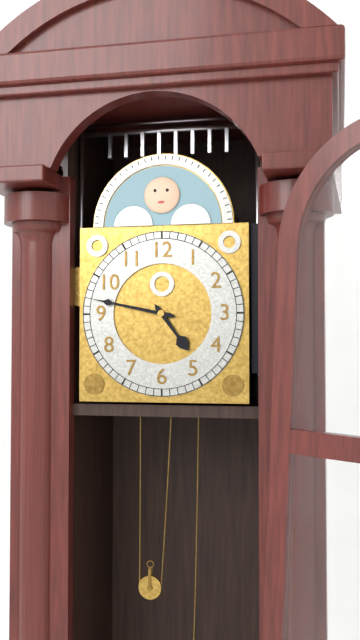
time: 4:47
